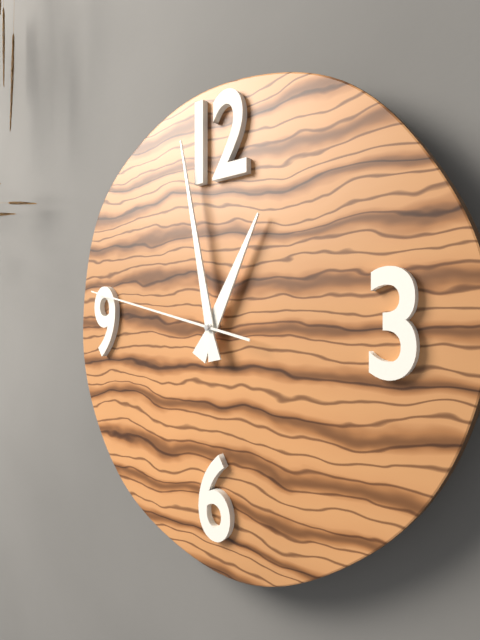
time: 12:58:47
